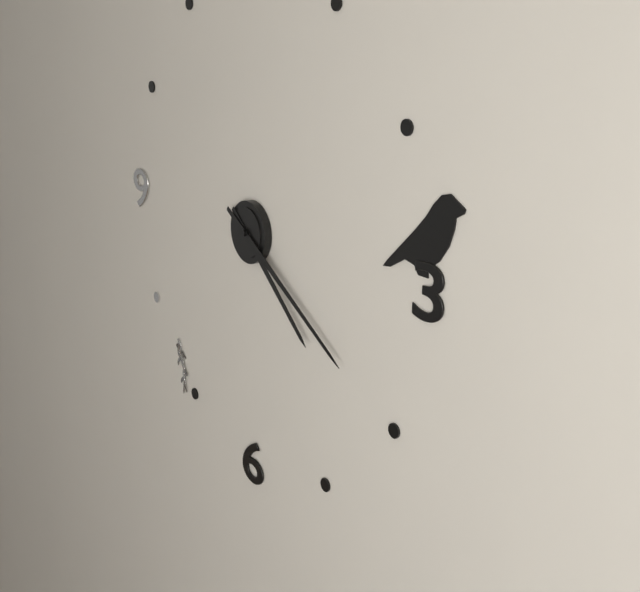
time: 4:20
